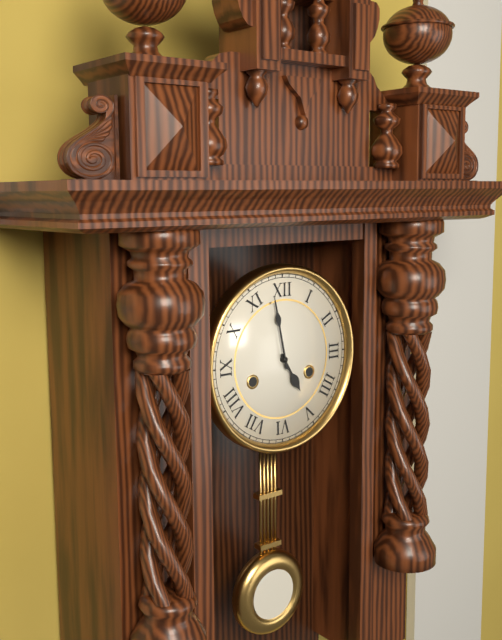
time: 4:58
